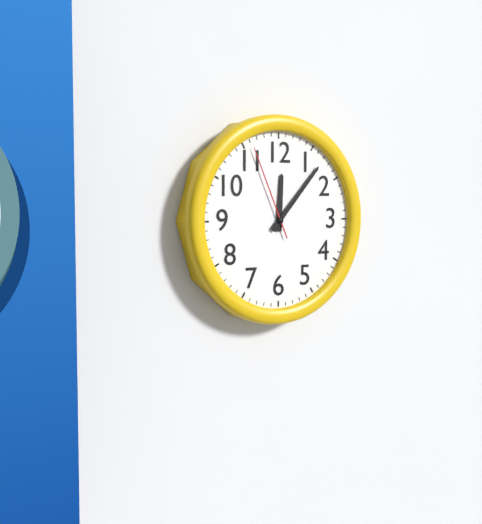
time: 12:07:56
